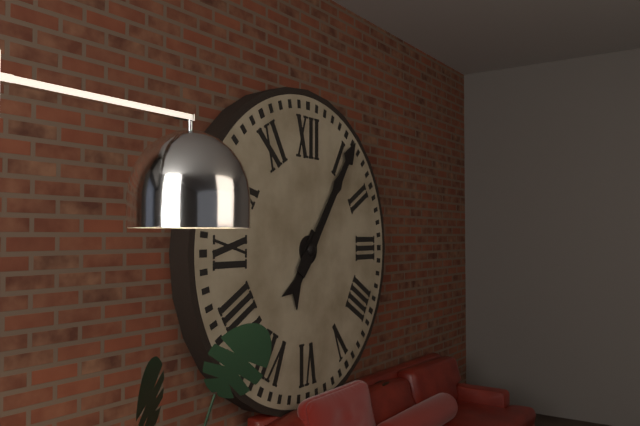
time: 7:06
